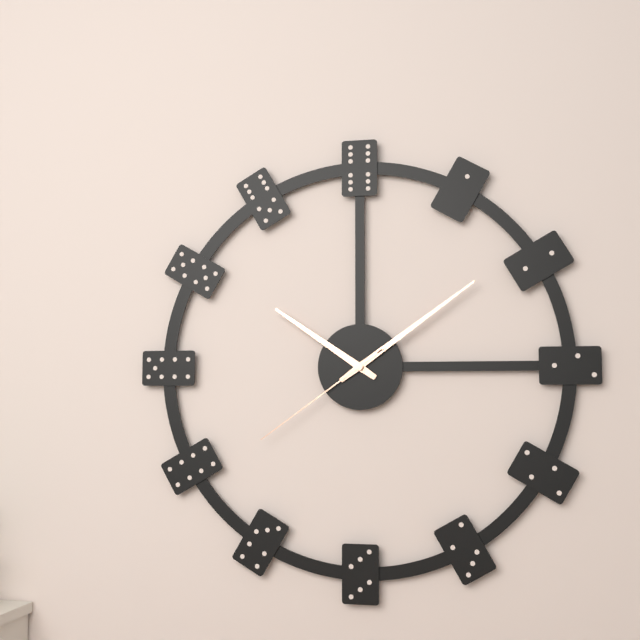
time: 10:09:39
